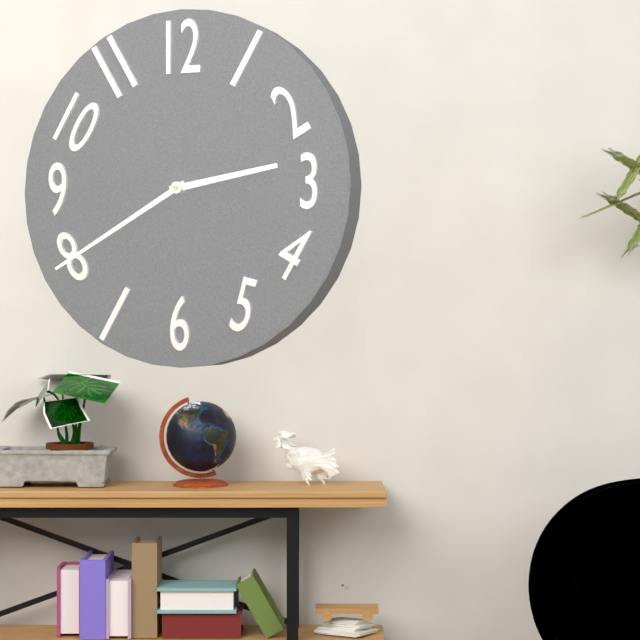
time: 2:40
